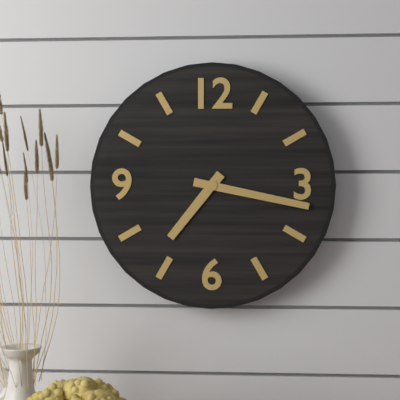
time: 7:17
